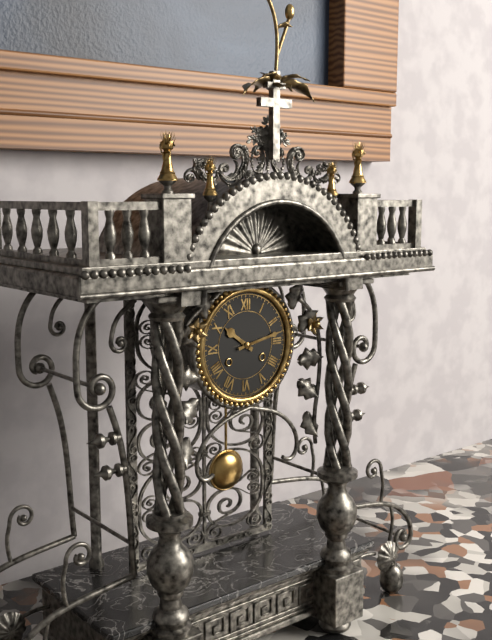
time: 10:13
